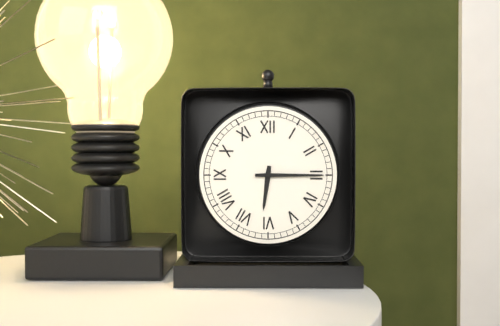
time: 6:15
